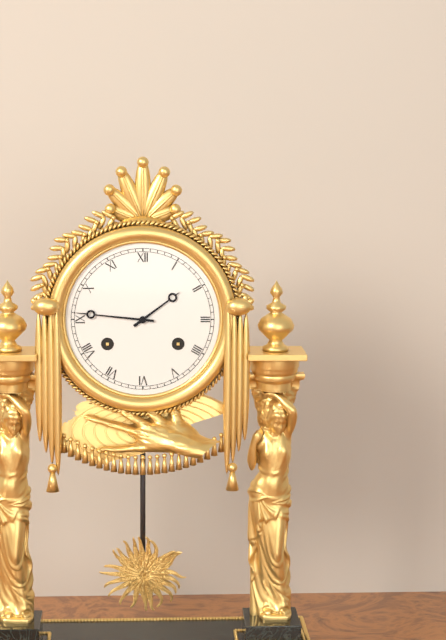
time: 1:46
